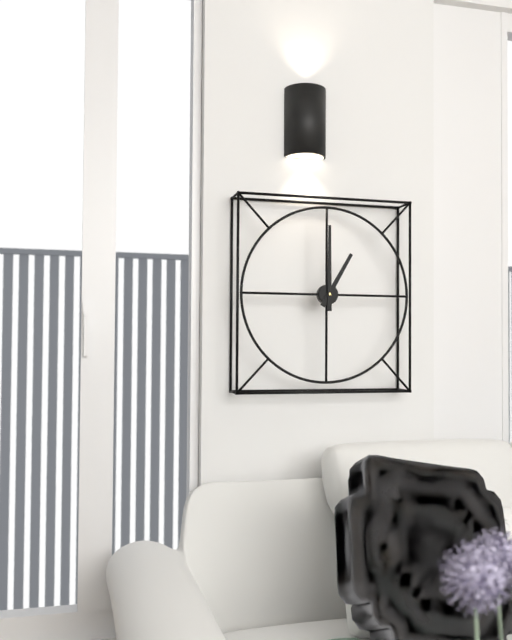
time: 1:00
